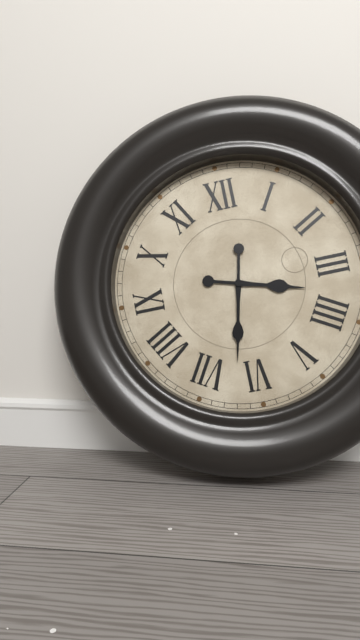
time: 3:32
